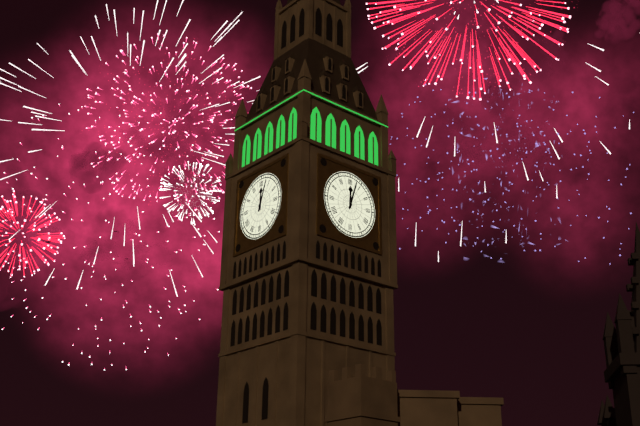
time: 12:03
